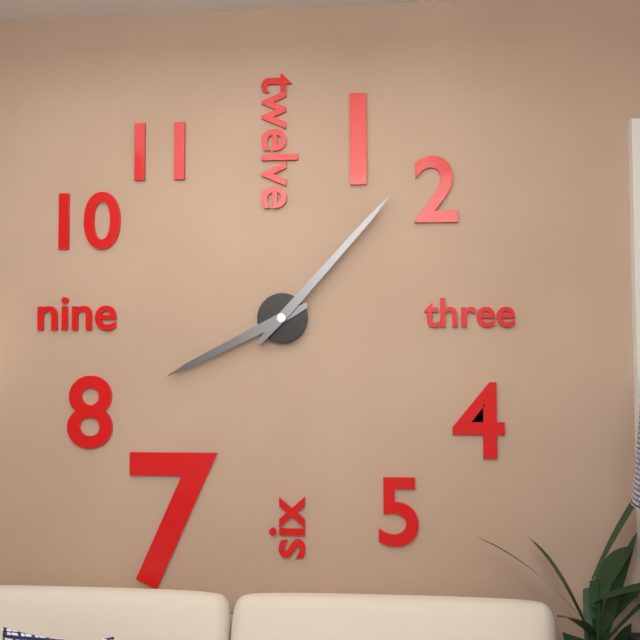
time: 8:07
